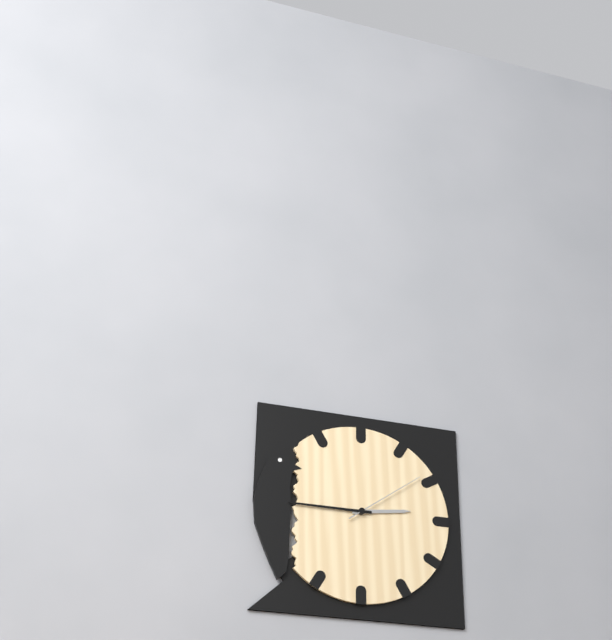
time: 2:45:09
